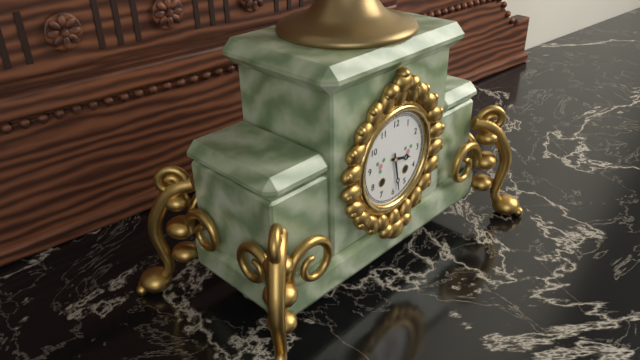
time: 3:28
